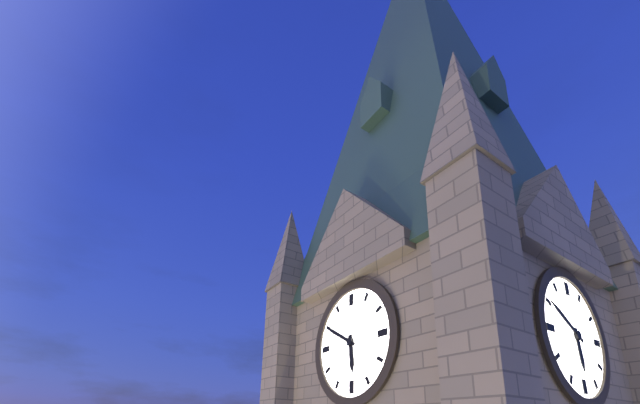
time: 5:50
